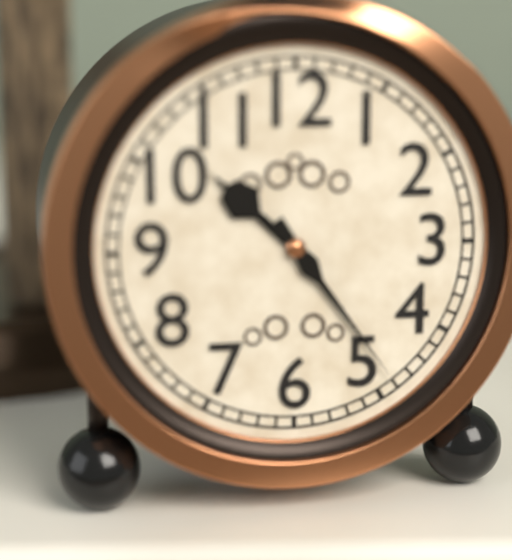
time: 10:24
